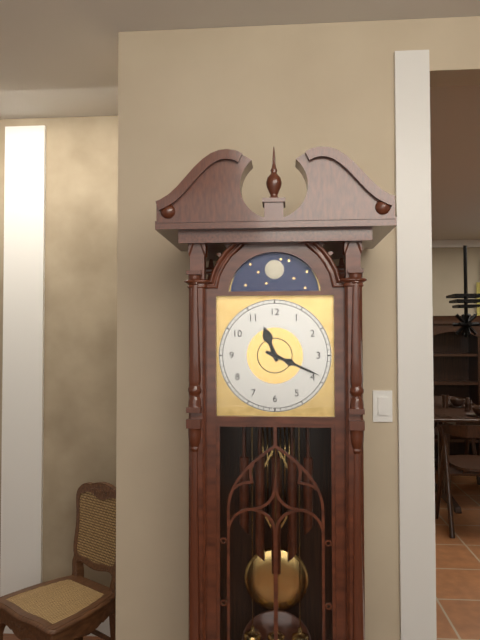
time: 11:19
